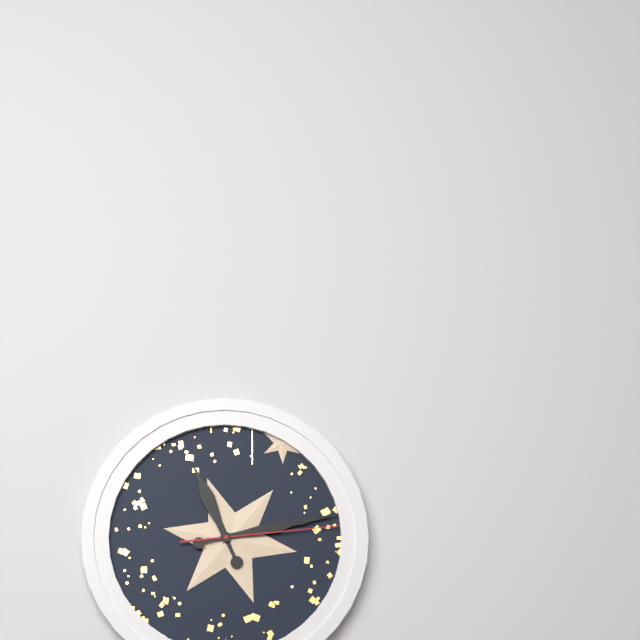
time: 11:13:14
